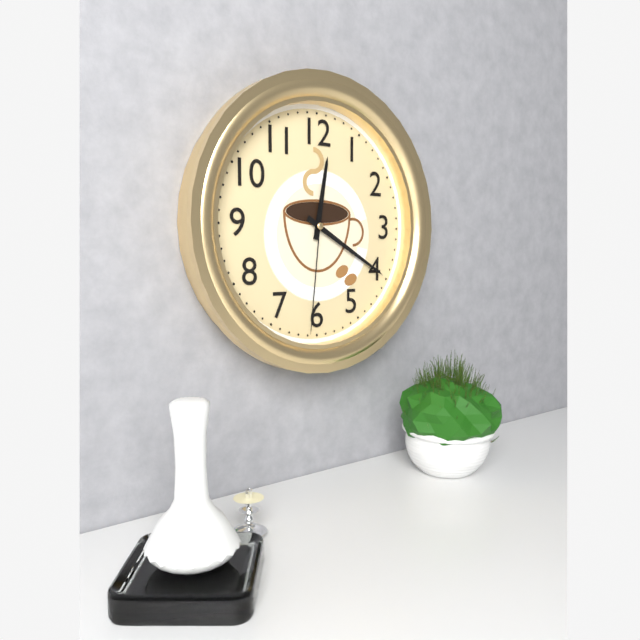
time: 12:20:31
